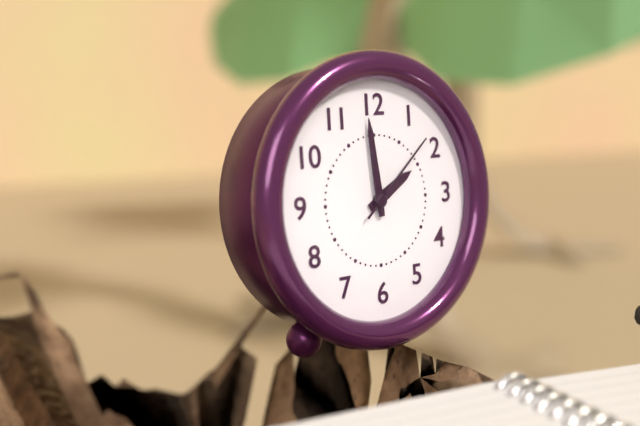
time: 1:59:08
